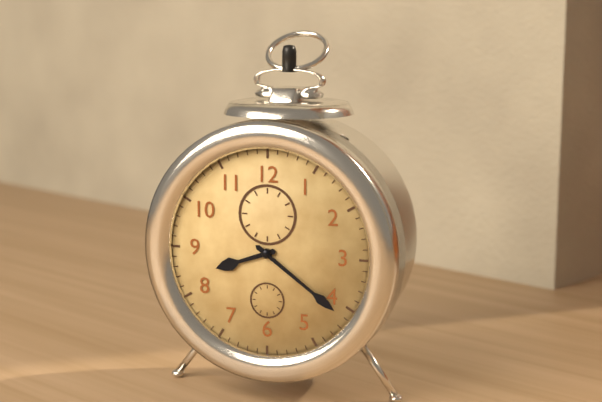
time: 8:21
